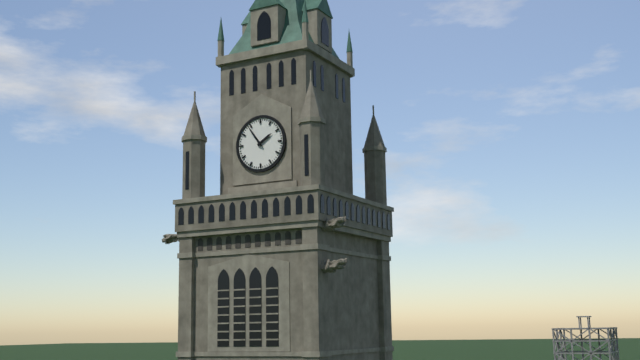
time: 1:54
